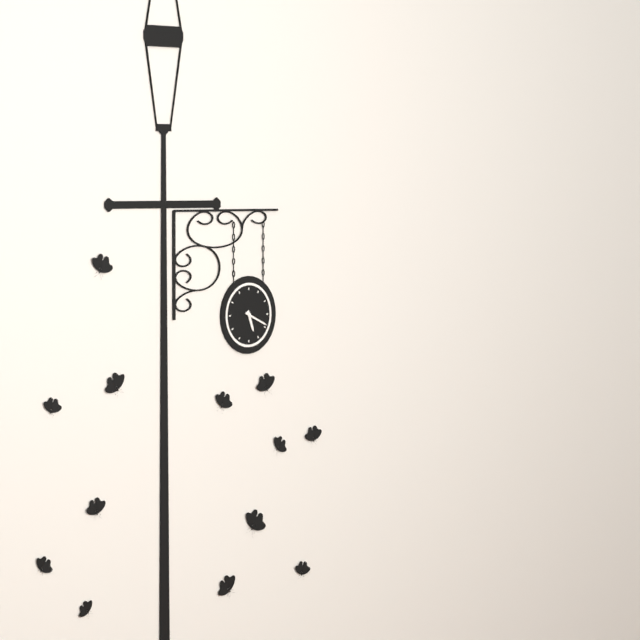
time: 5:19
